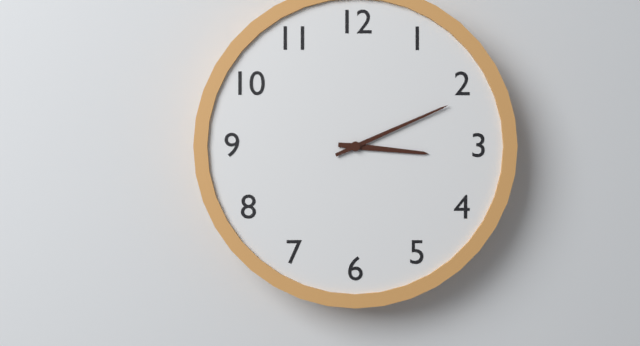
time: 3:11
